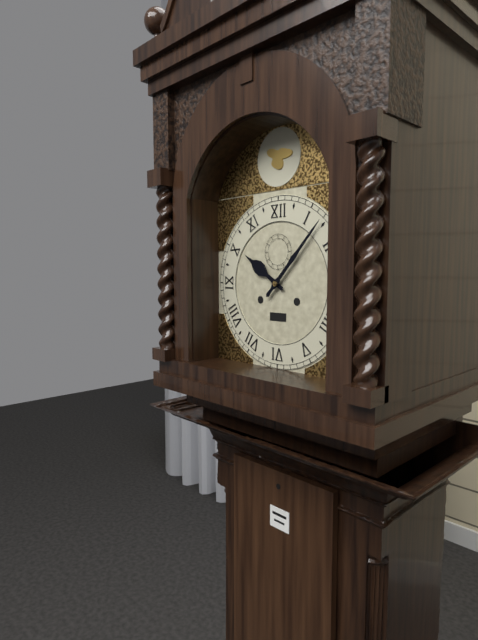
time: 10:07
